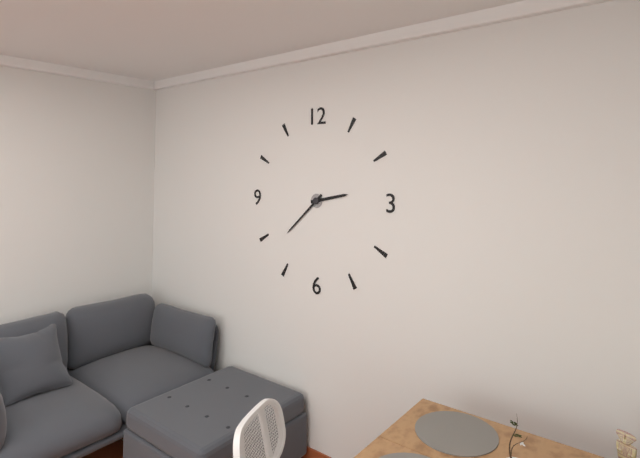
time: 2:38
